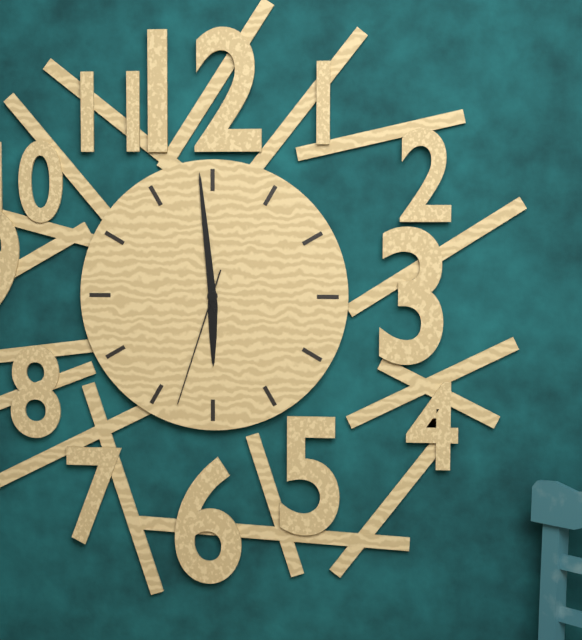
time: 5:59:33
